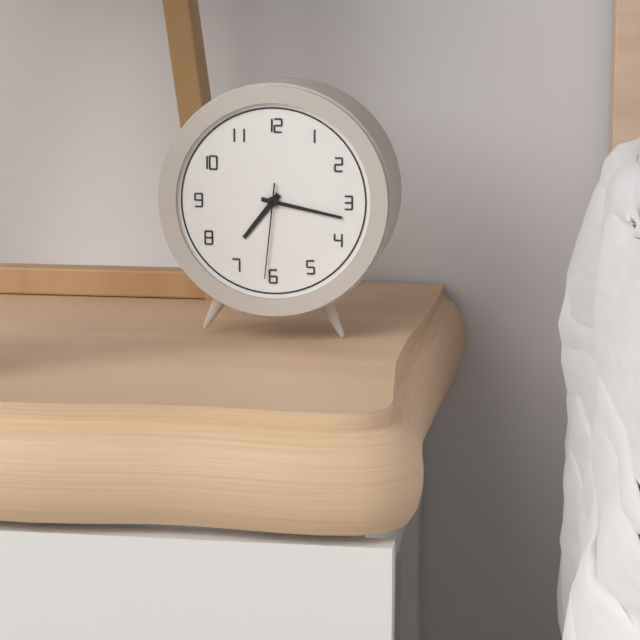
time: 7:17:31
